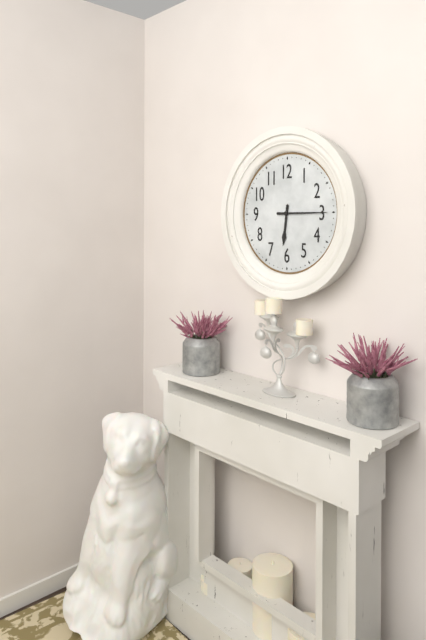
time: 6:15
